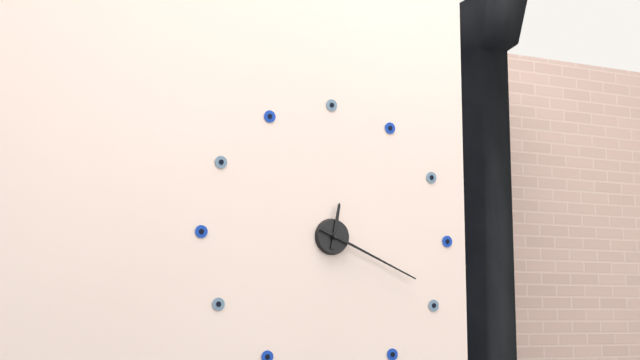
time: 12:19
